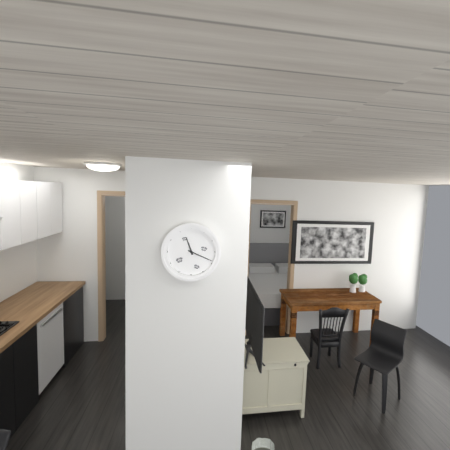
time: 11:19
